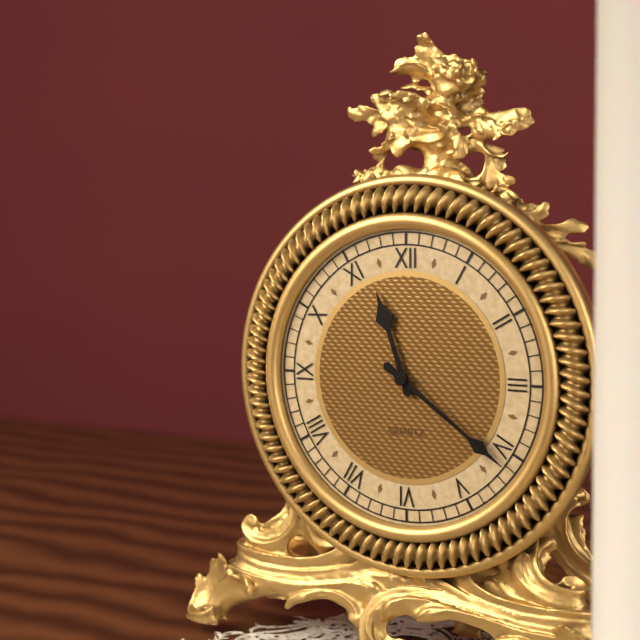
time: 11:21
